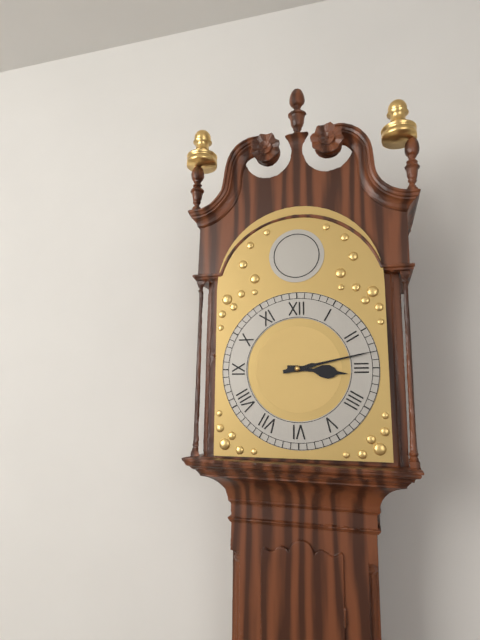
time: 3:13
